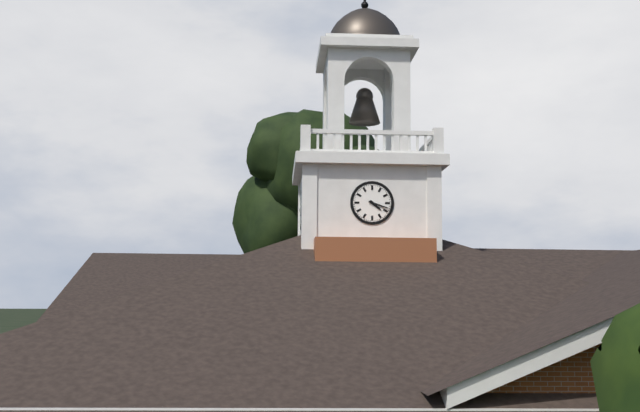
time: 4:18
